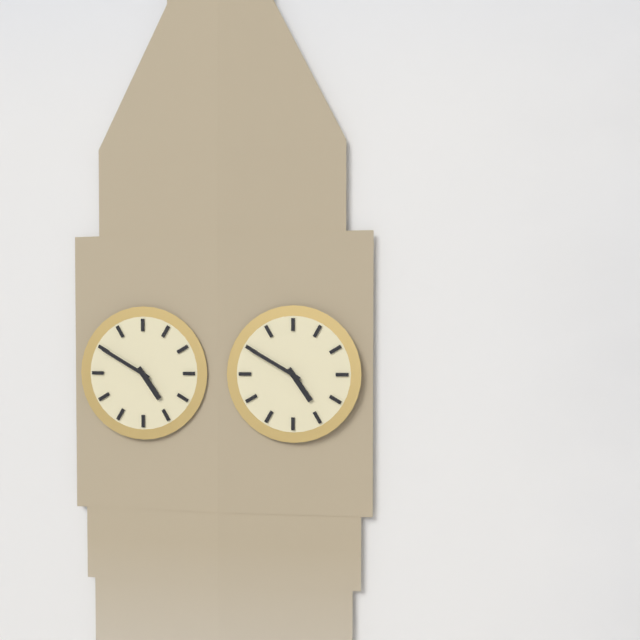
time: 4:50
